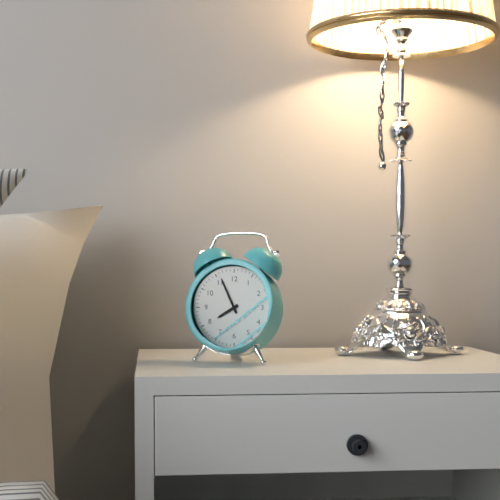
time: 7:56
